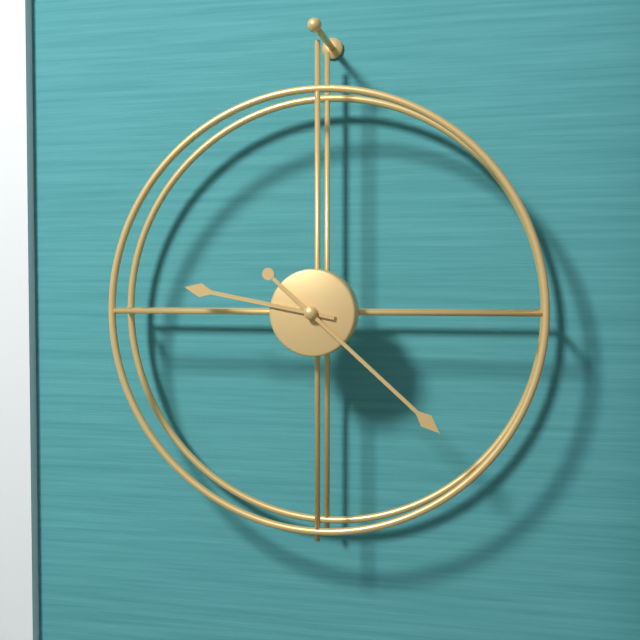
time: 9:22
